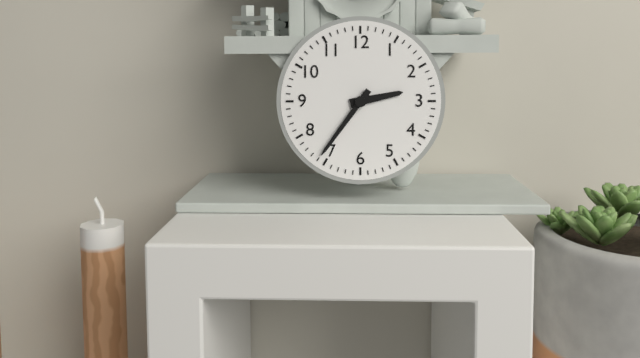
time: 2:36
